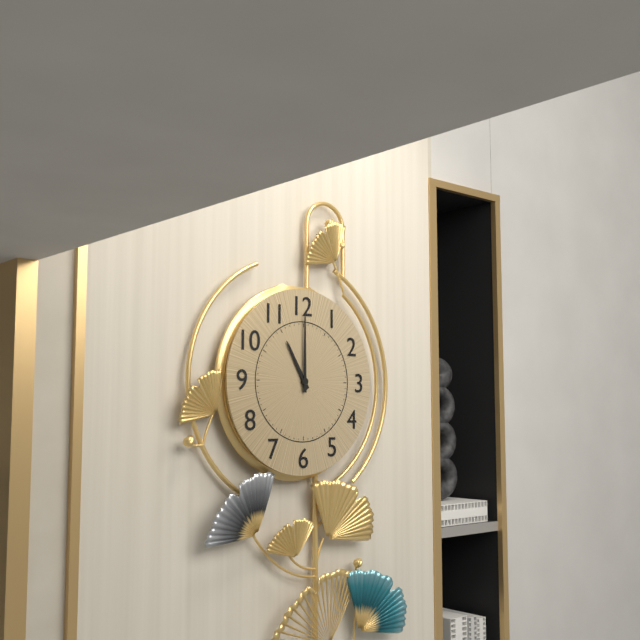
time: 11:00
